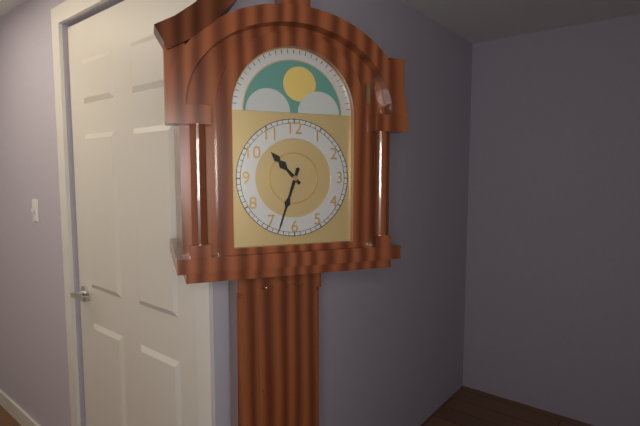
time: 10:33
